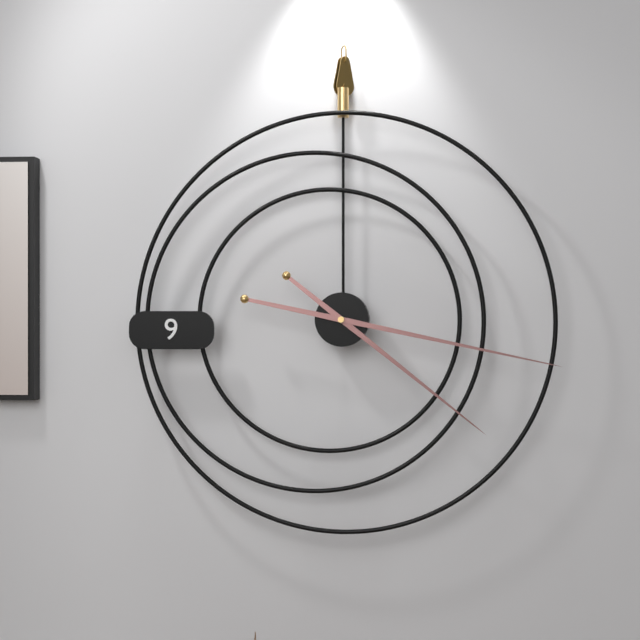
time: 4:17
